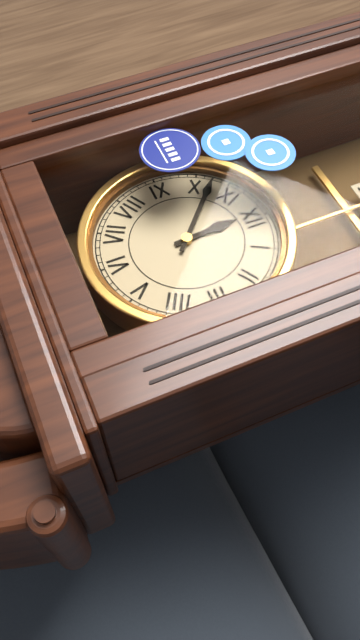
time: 11:52
